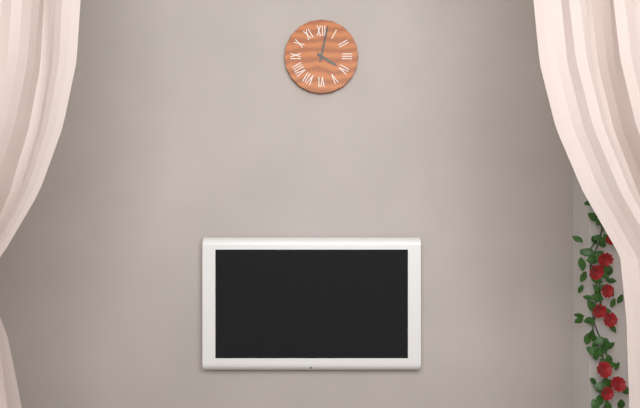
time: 4:02
